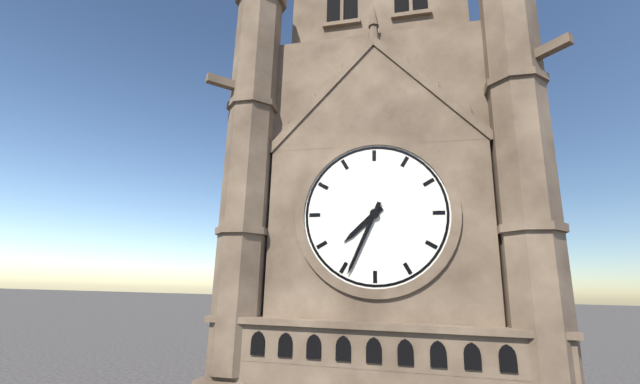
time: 7:34
